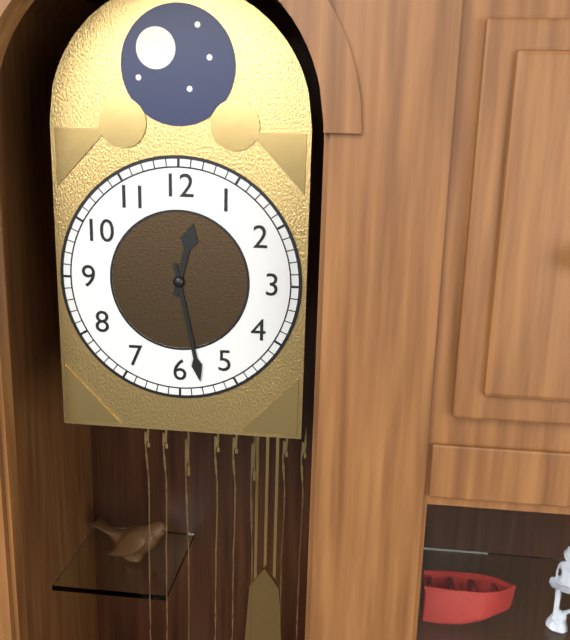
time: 12:28
